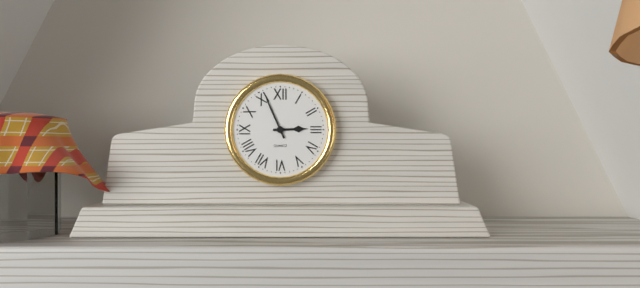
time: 2:56
